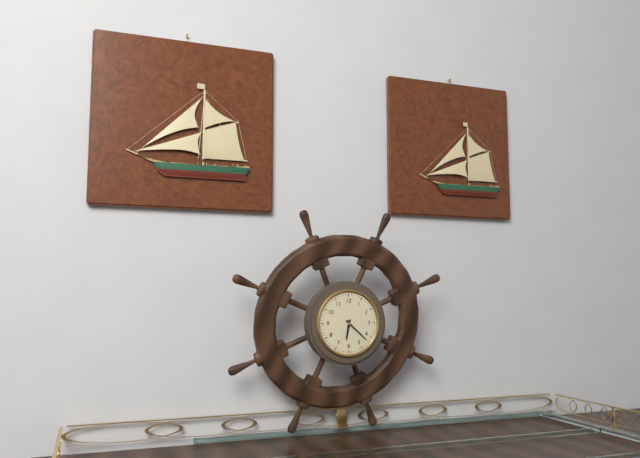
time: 6:22
